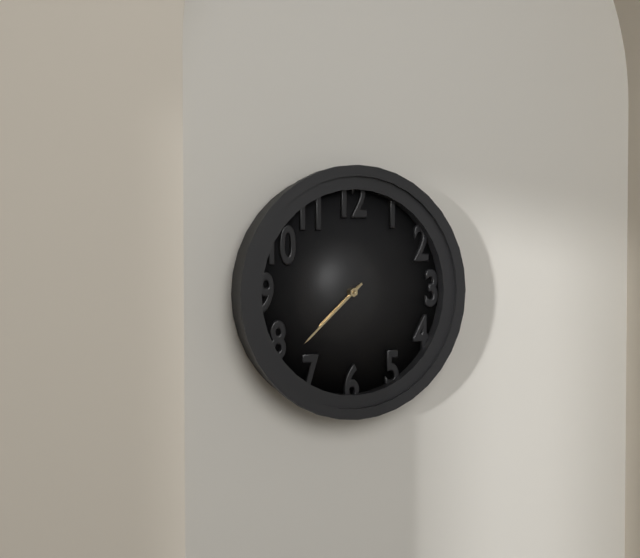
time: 7:38
